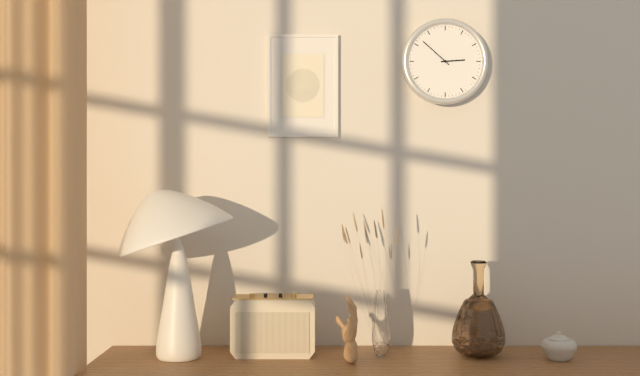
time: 2:52
